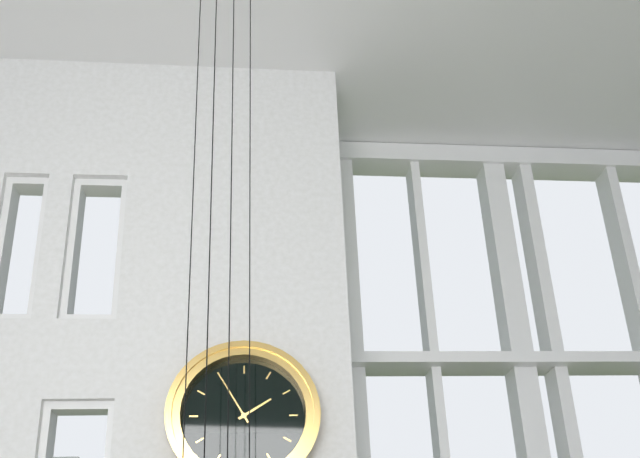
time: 1:55
